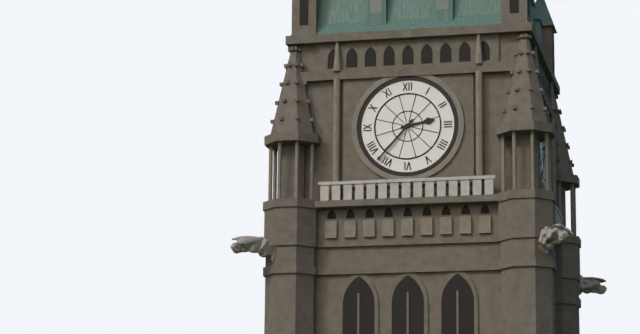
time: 2:37
